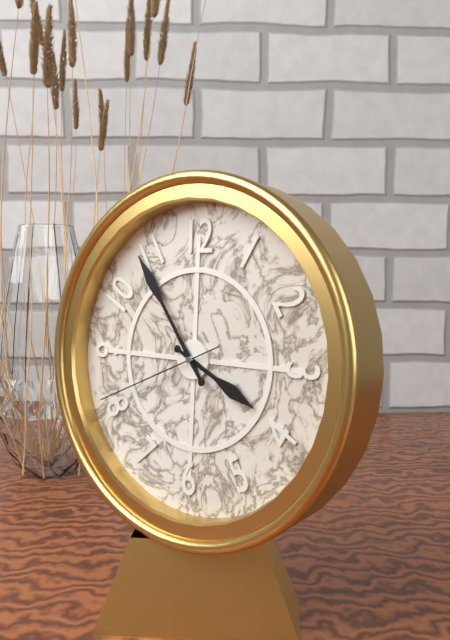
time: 3:54:41
